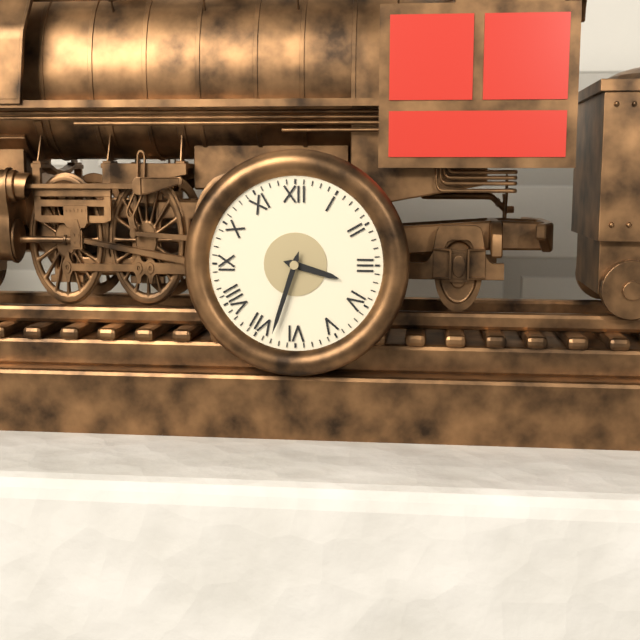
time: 3:33
